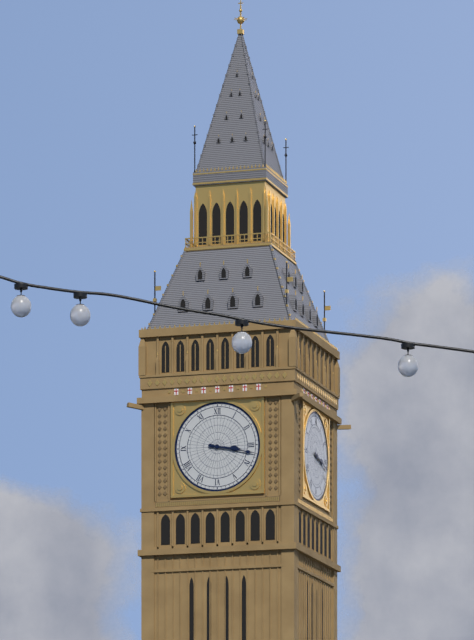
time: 3:17
